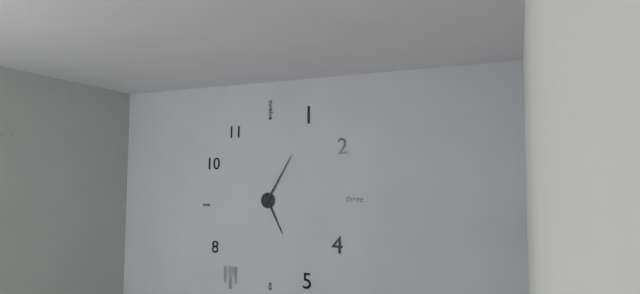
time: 5:05
